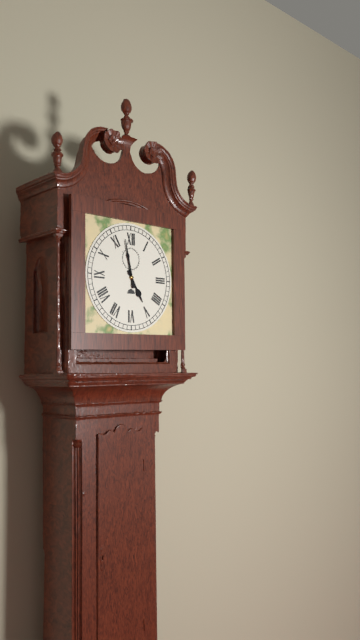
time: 4:58
